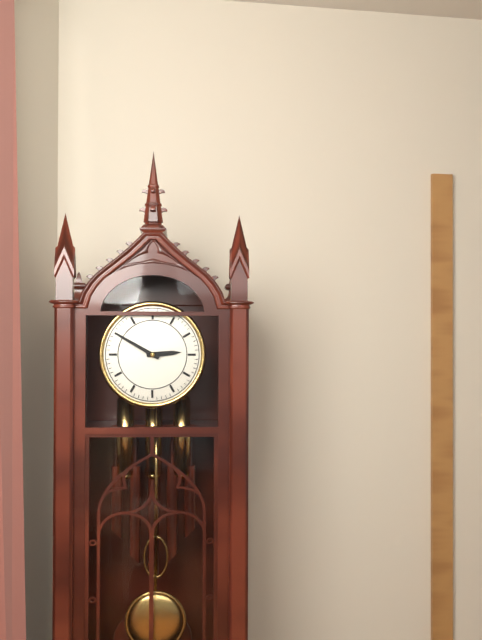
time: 2:50
